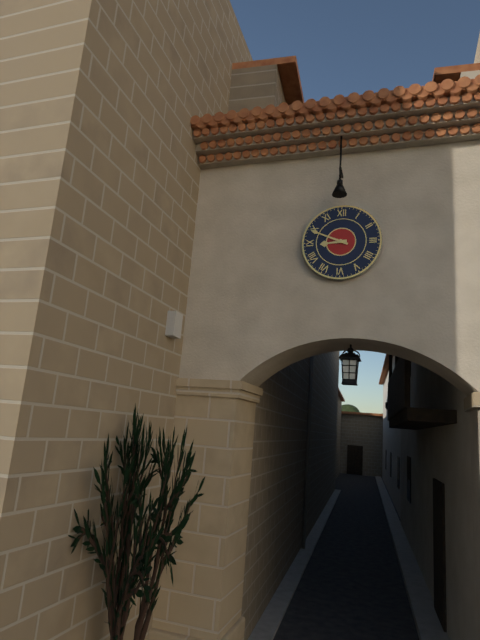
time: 8:49
